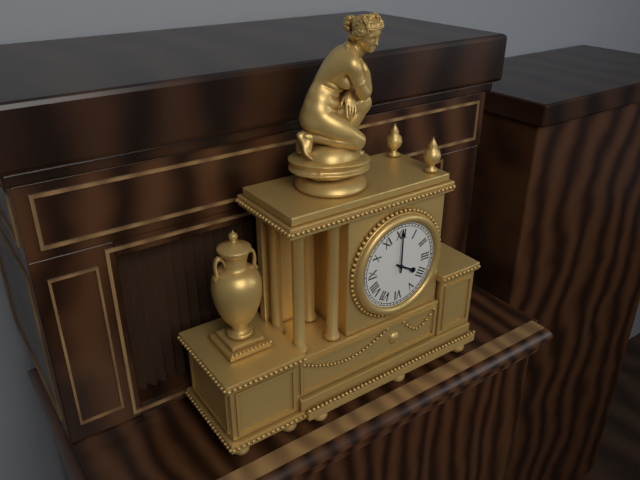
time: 4:00
